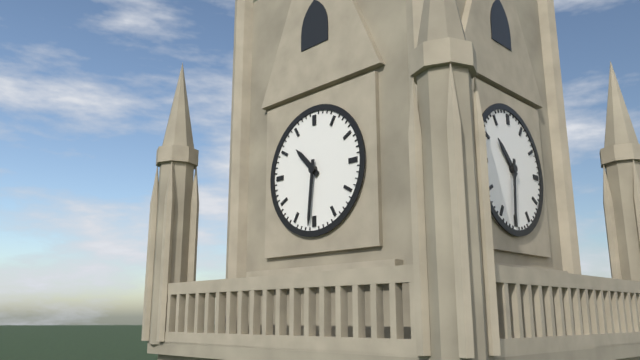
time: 10:31
